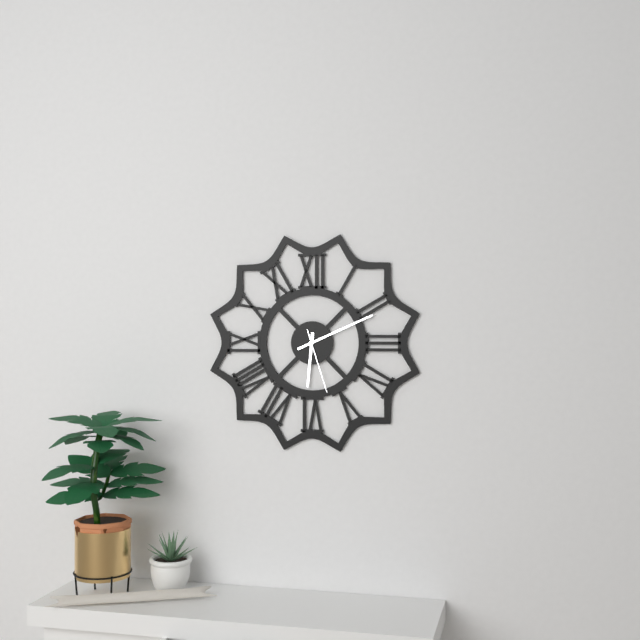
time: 6:11:27
